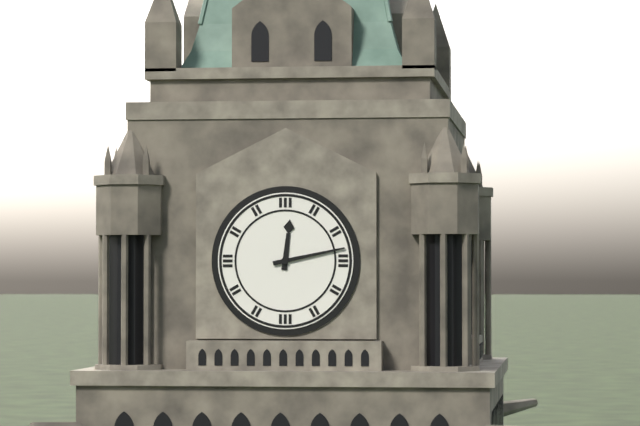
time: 12:13
